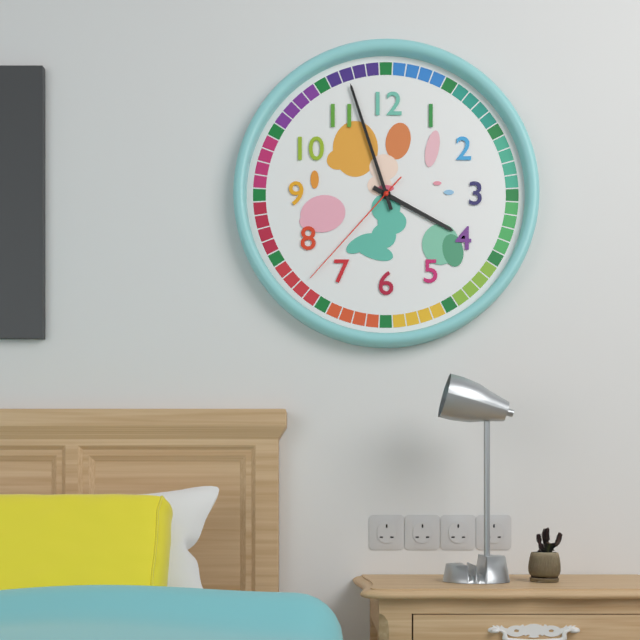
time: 3:57:37
